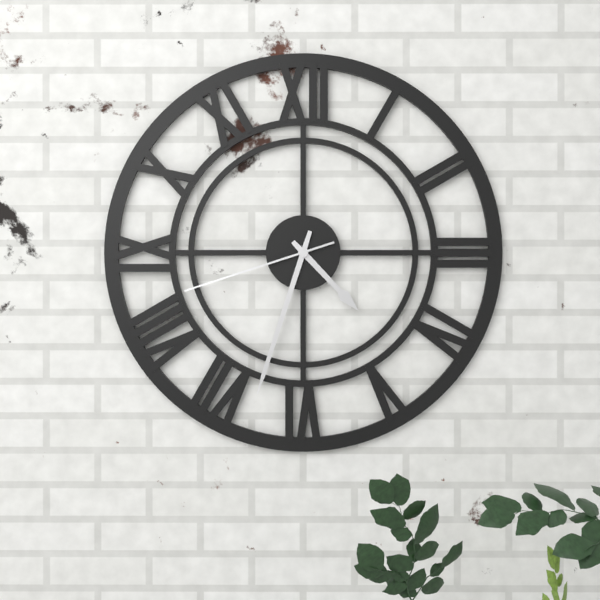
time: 4:33:42
